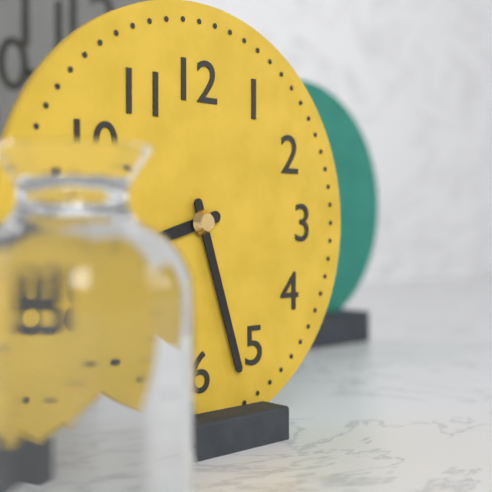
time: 8:27
